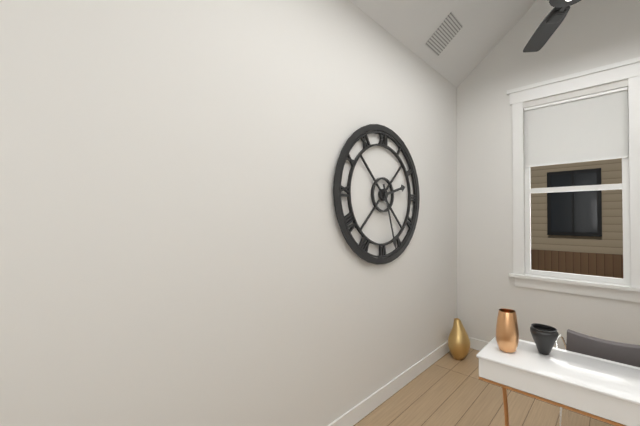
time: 2:27
